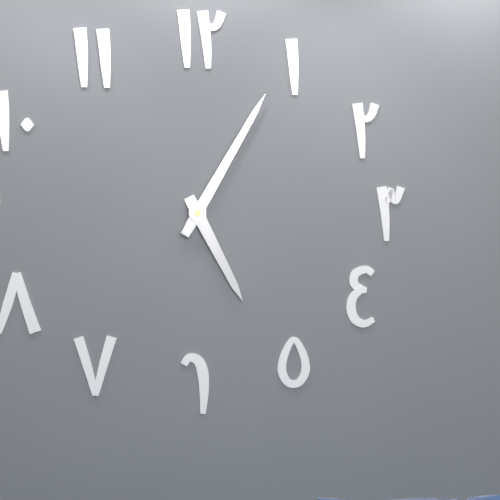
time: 5:05
